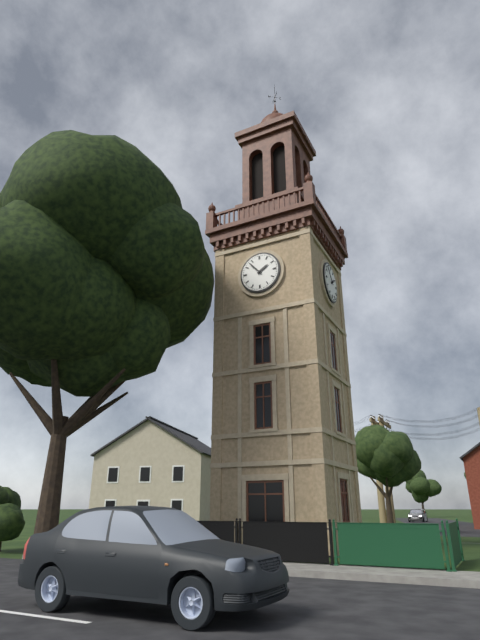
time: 1:53
